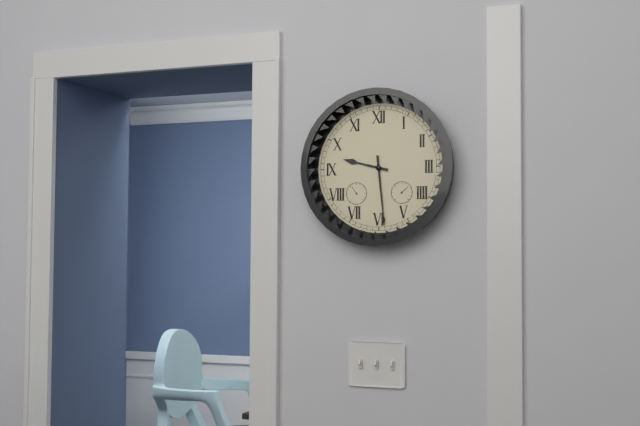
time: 9:29
